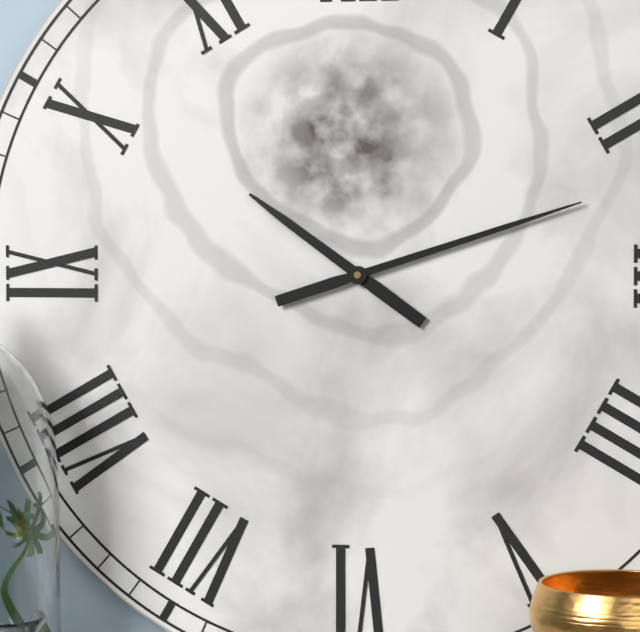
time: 10:12
